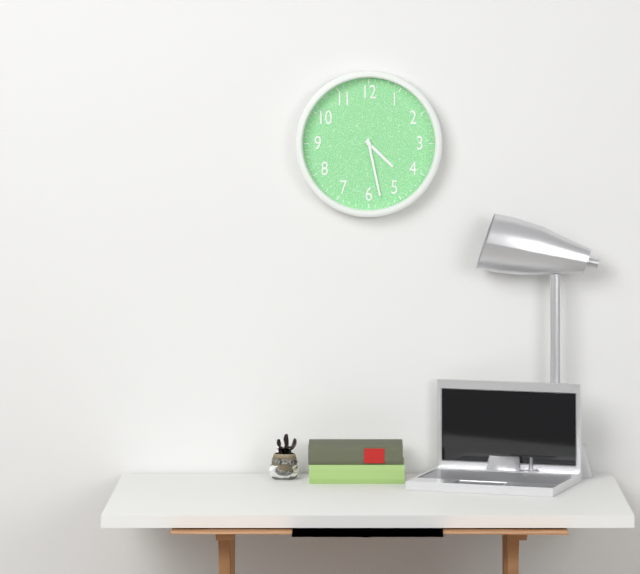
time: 4:28
